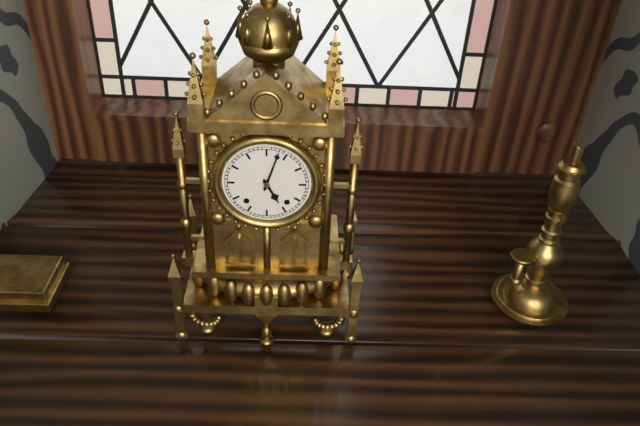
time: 5:03
